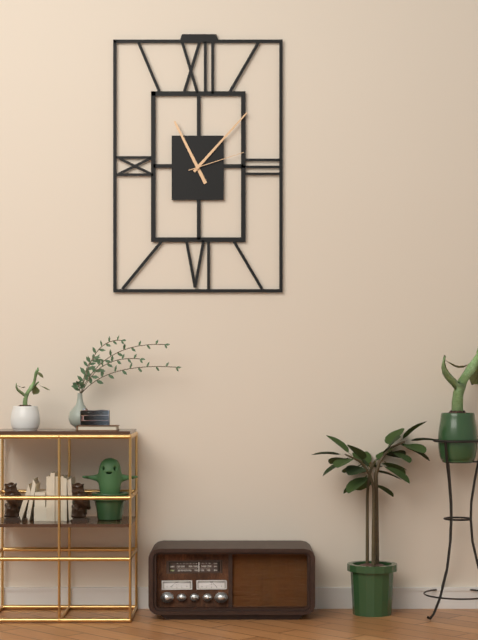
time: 11:07:12
